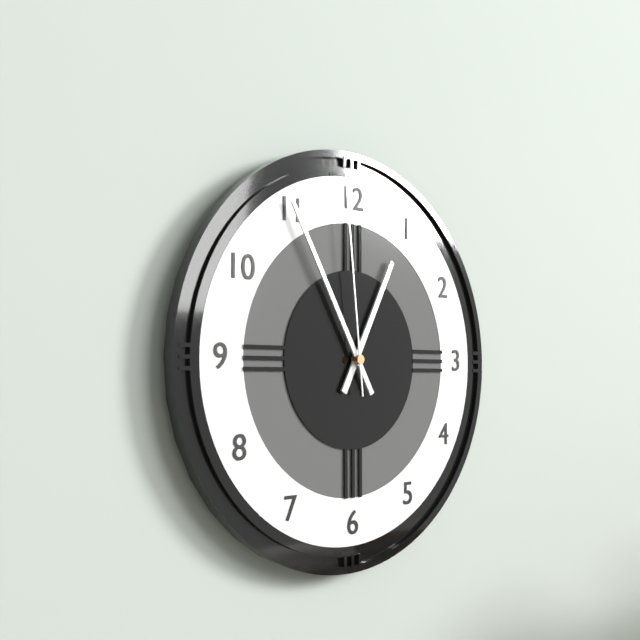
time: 12:55:59
